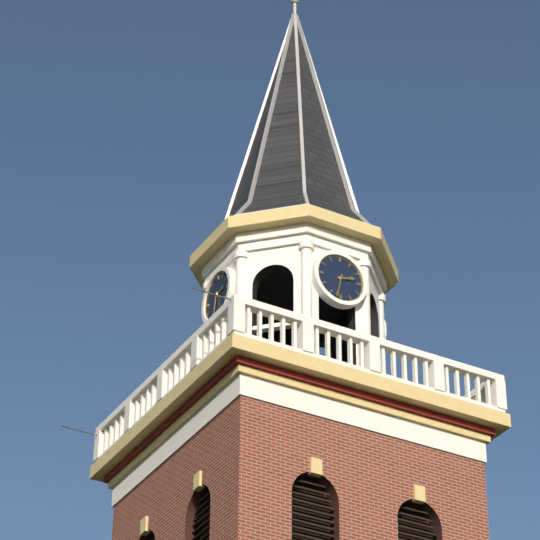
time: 2:32
